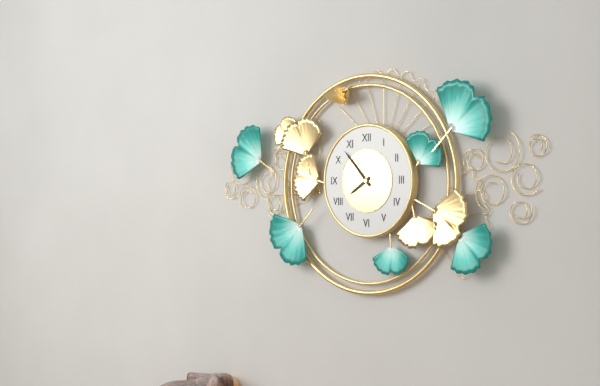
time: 7:53
